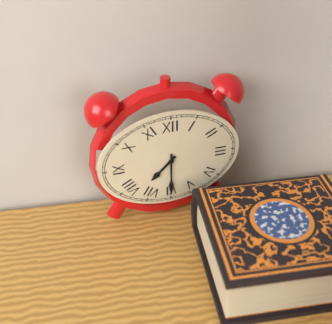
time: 7:30
